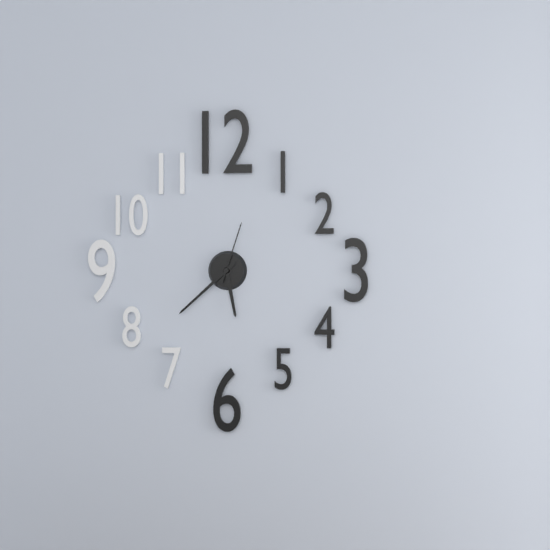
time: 5:38:03
